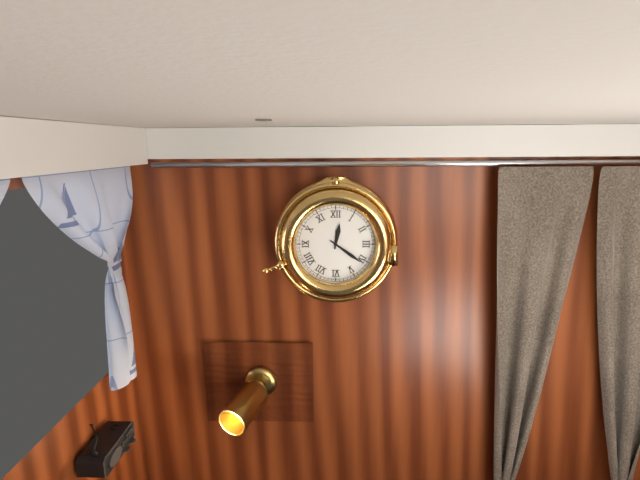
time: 12:21
